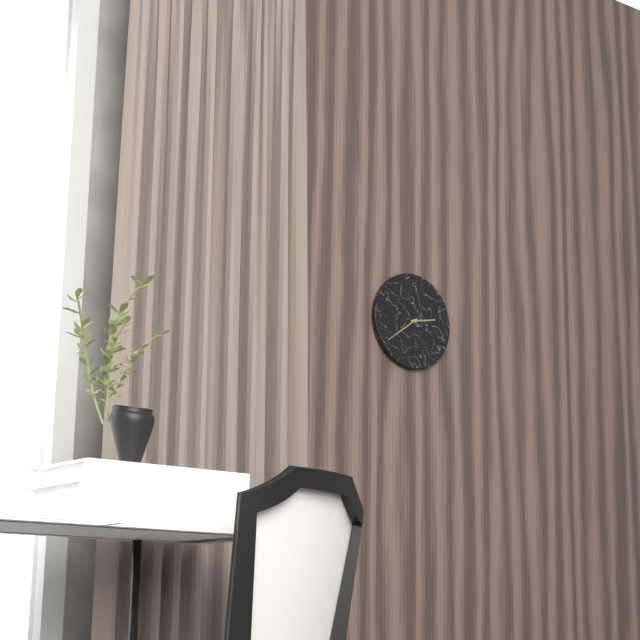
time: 2:39
